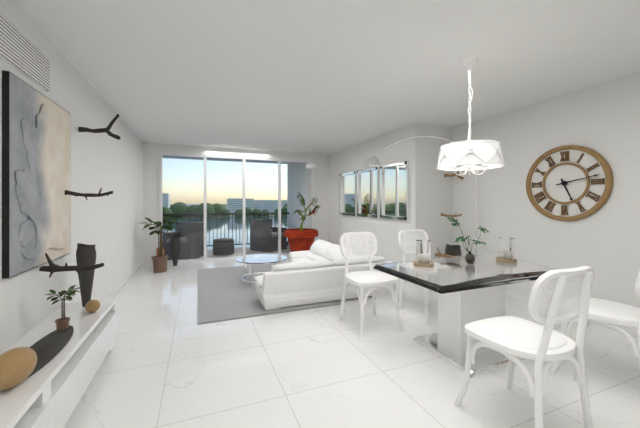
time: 5:13
